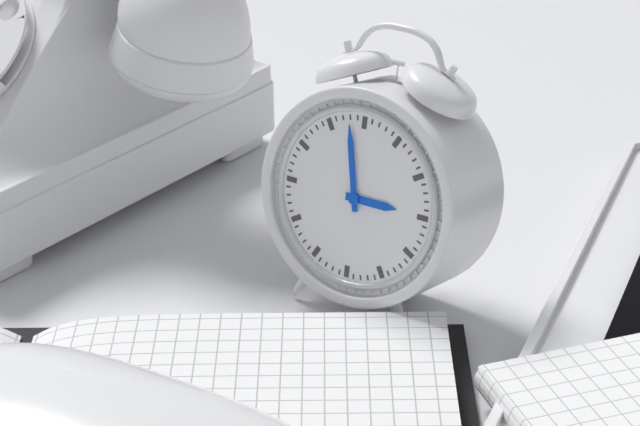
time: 2:58
